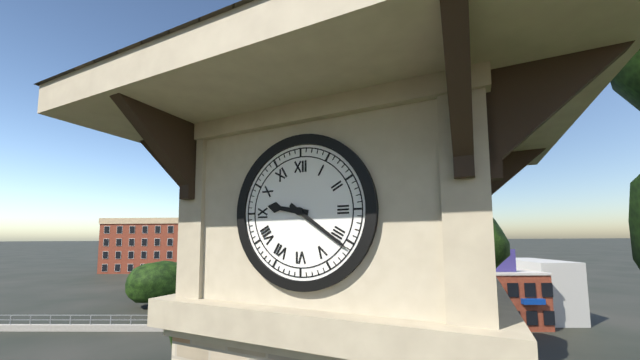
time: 9:21
